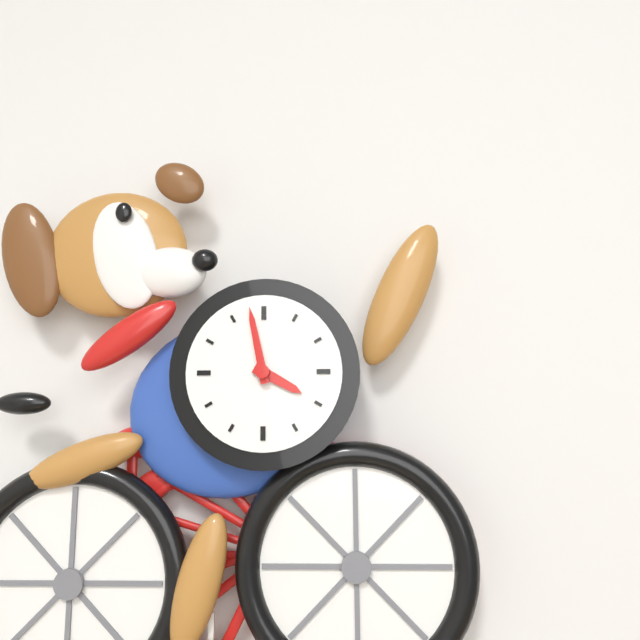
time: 3:58
